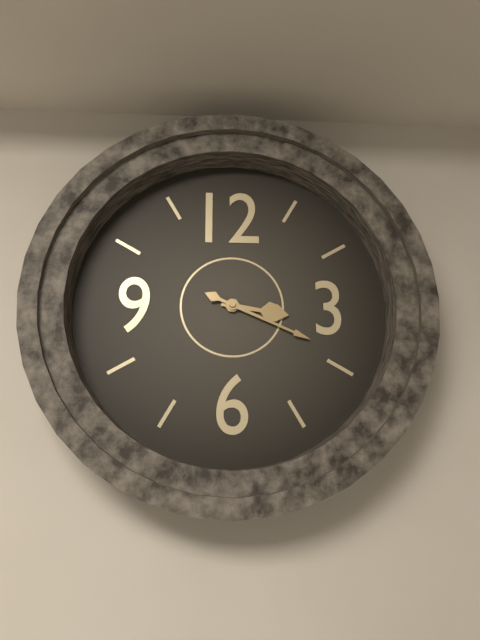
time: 3:19
